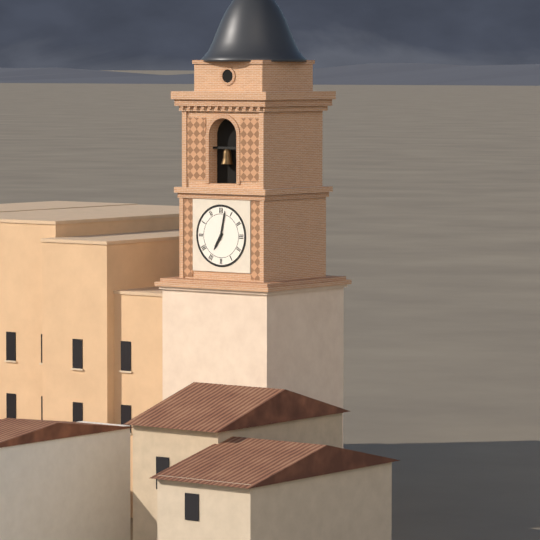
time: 7:02
